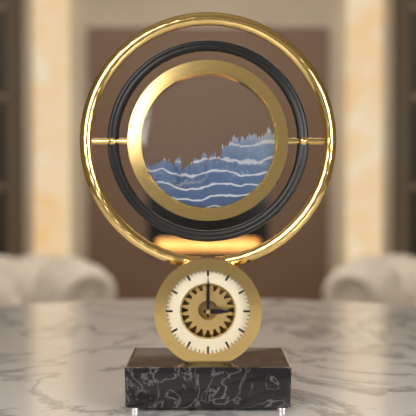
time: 3:00
